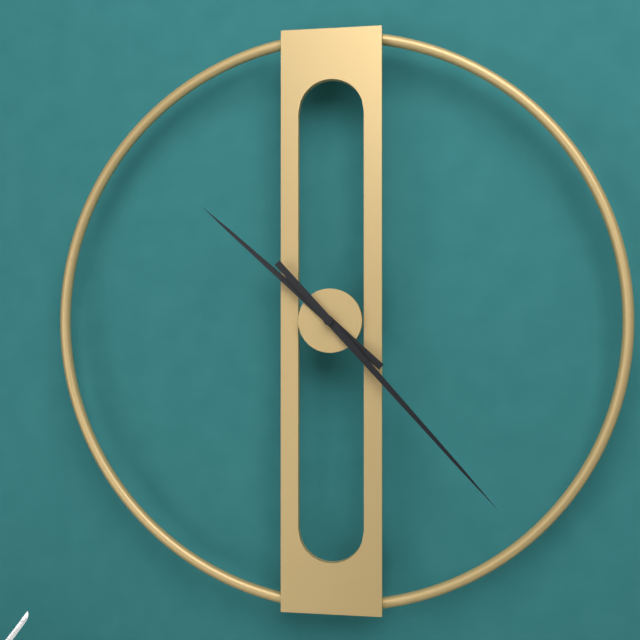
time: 10:23
